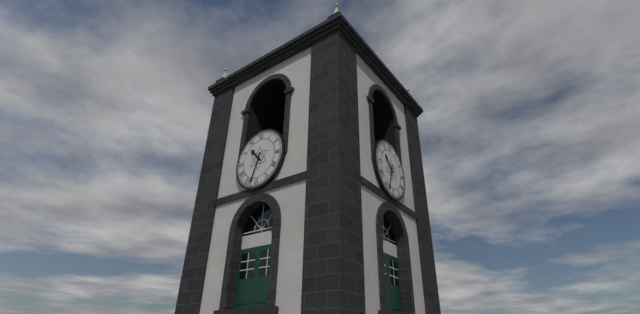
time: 10:33
